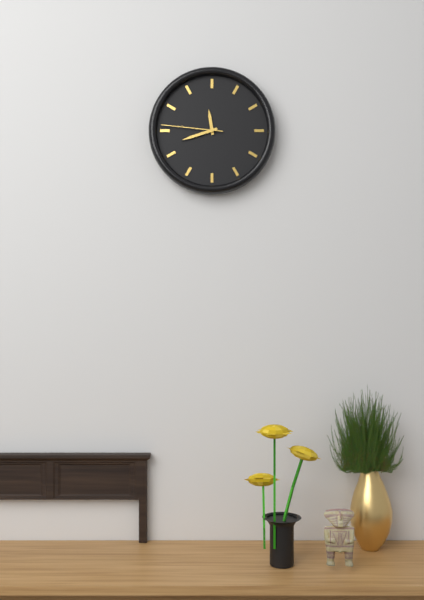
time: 11:42:46
